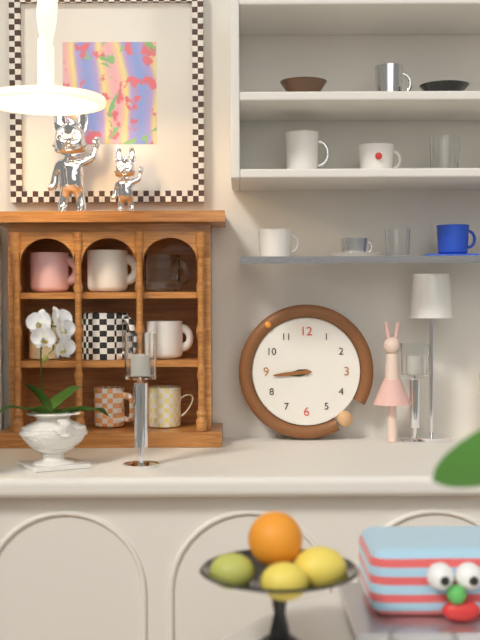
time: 8:44
